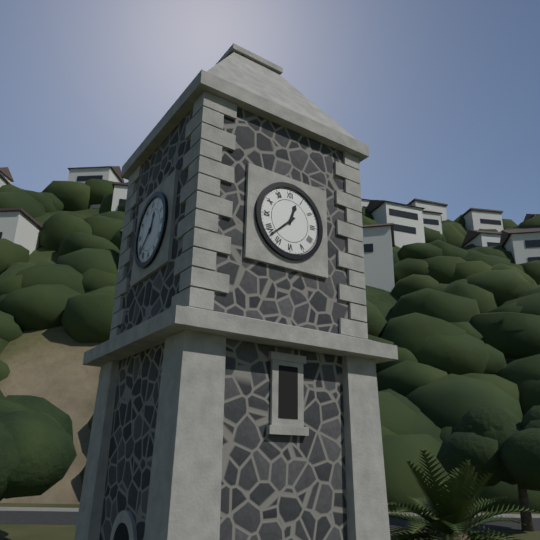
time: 12:38
